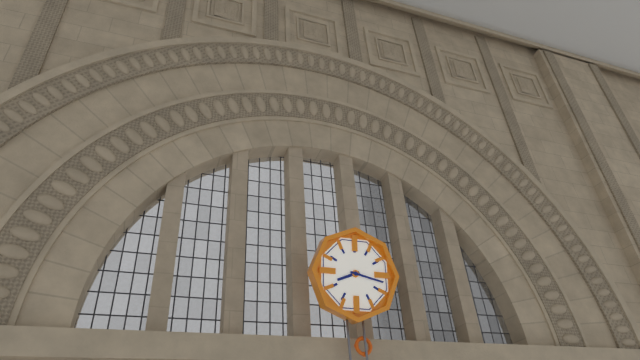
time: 8:17
